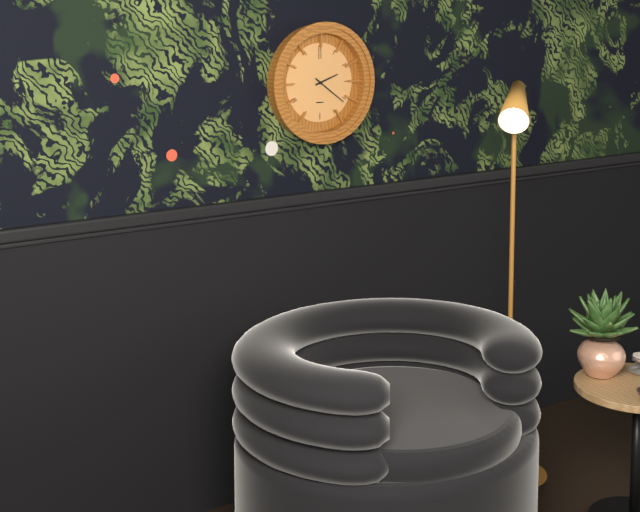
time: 2:21
